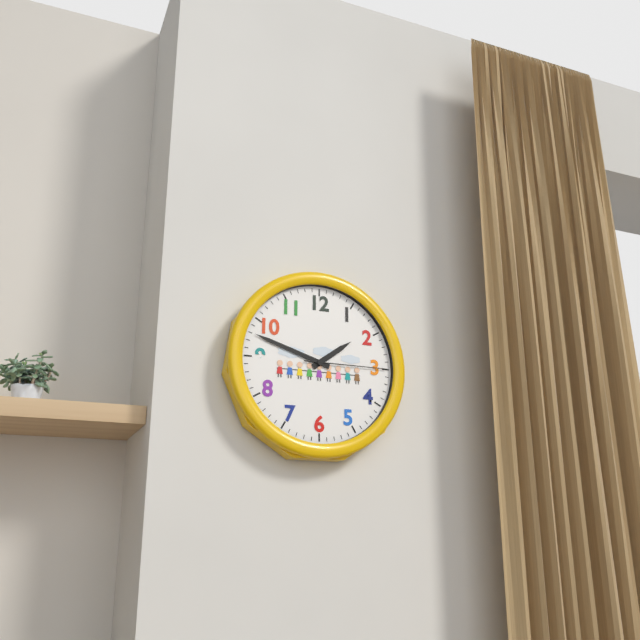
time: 1:48:15
